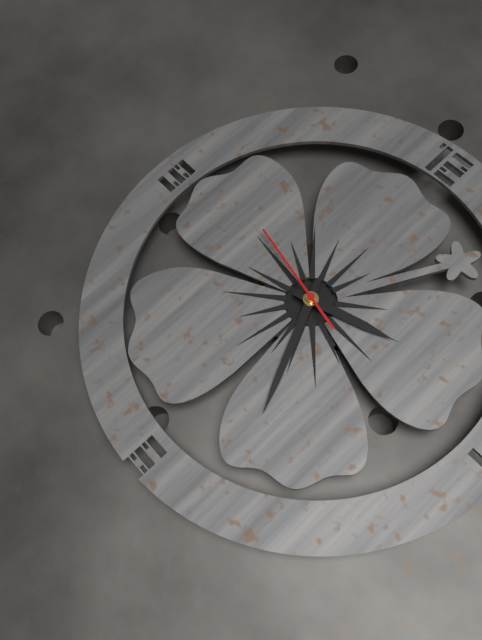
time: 2:26:47
